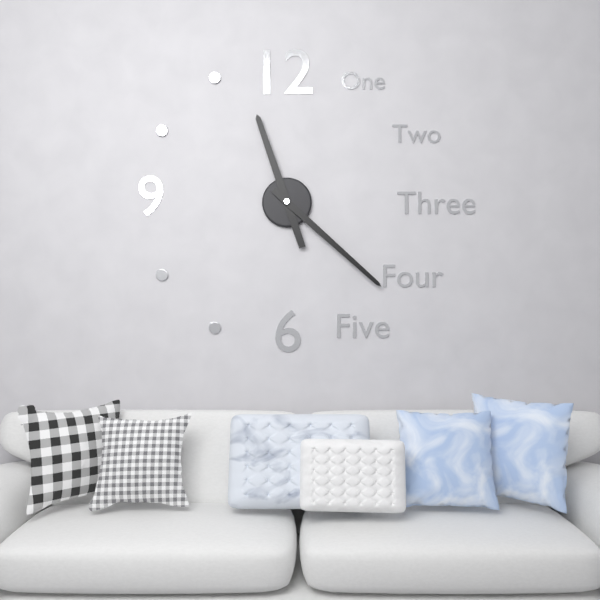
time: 11:22
